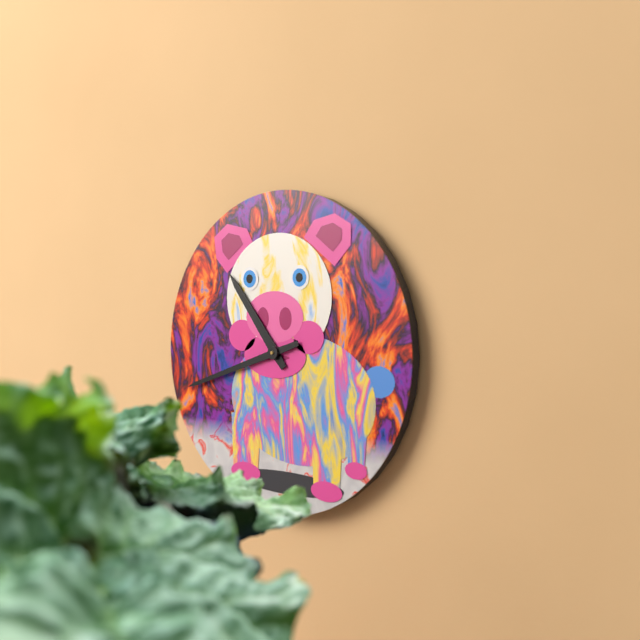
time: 10:42
